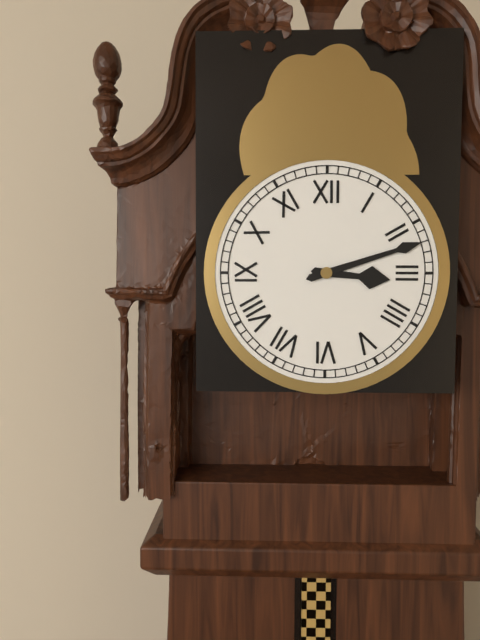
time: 3:12
